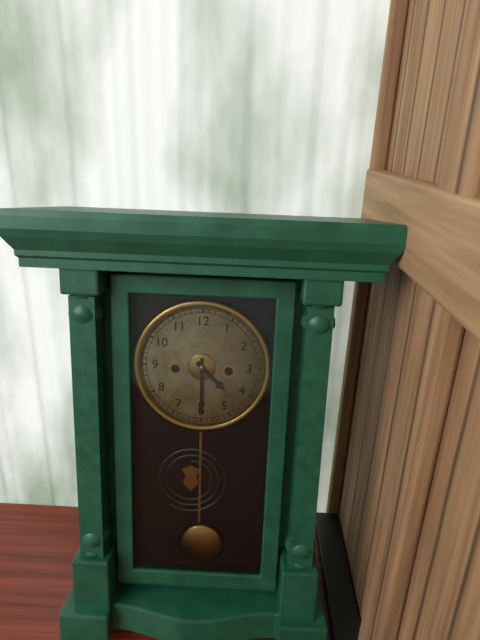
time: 4:30
